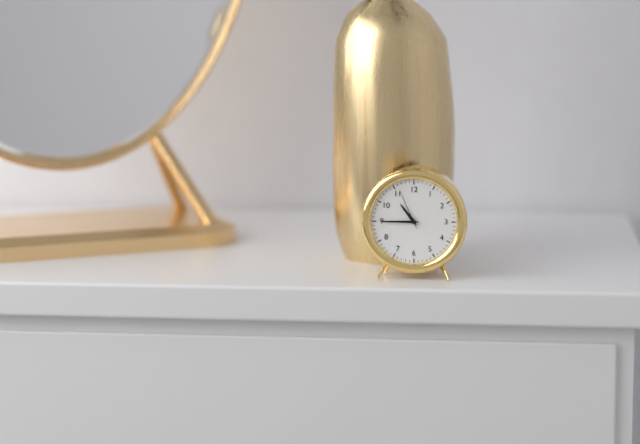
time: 10:45
